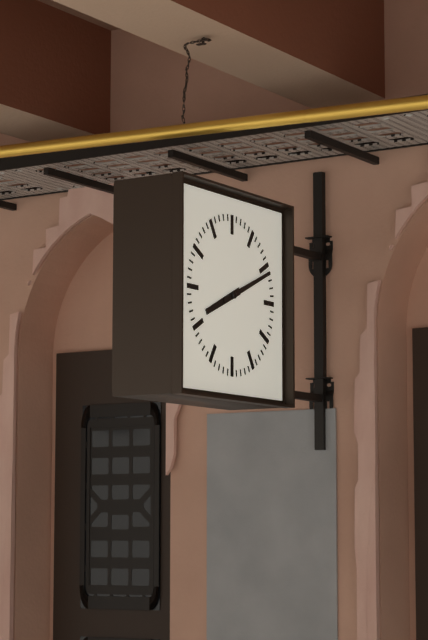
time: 8:11
